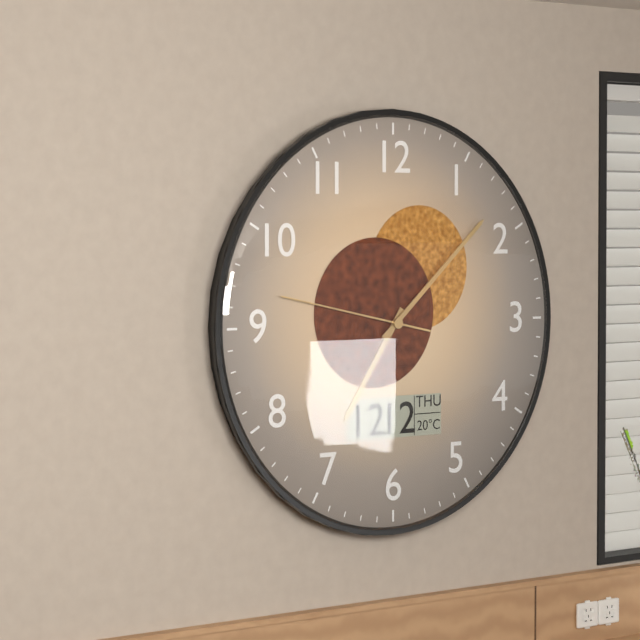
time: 7:08:47
